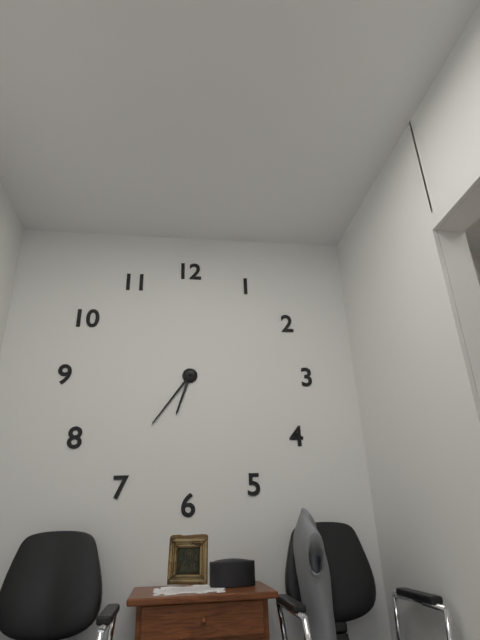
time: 6:36
